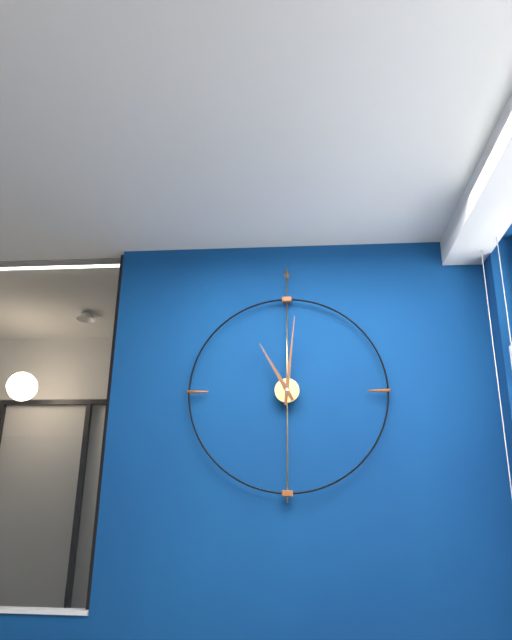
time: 11:01
